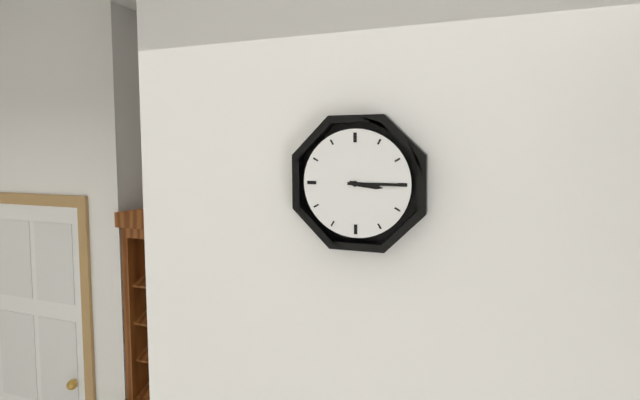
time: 3:15
